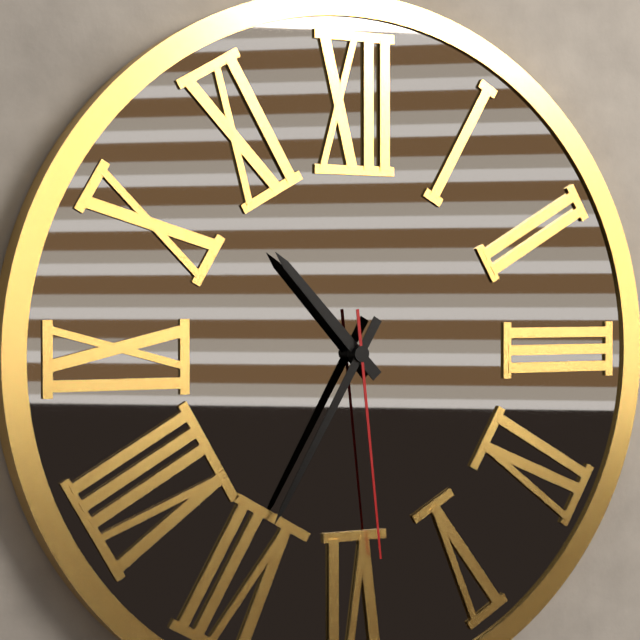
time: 10:35:29
